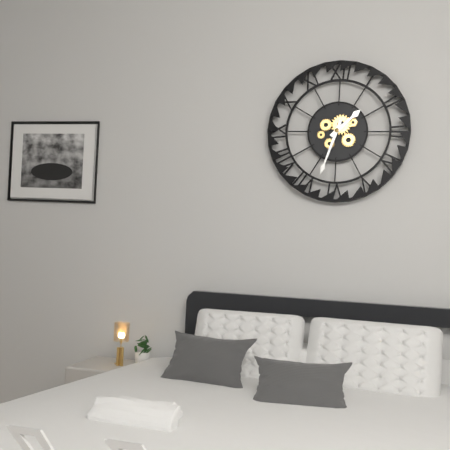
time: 1:33
